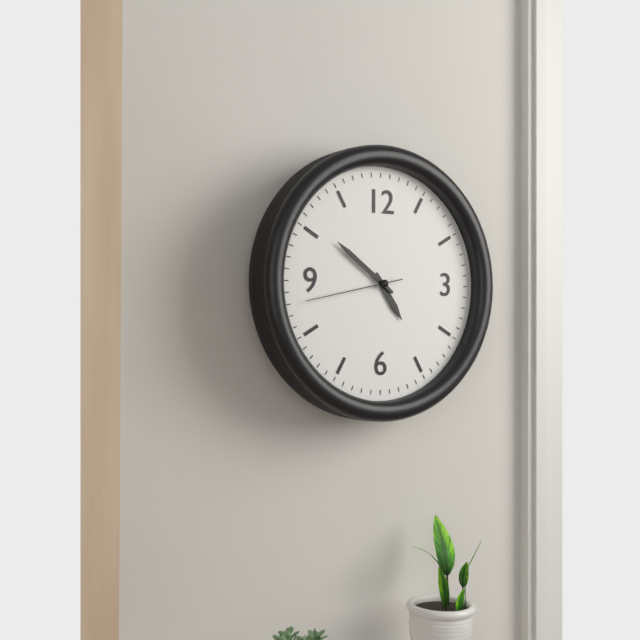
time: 4:51:43
